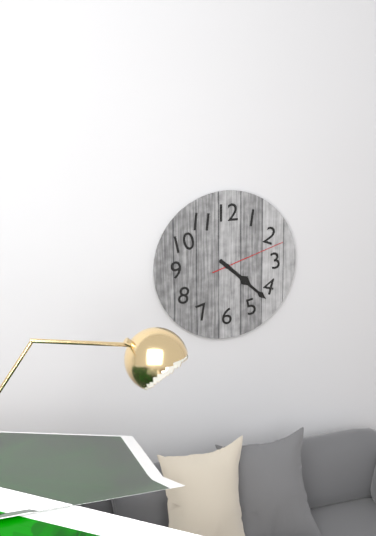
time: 4:22:12
